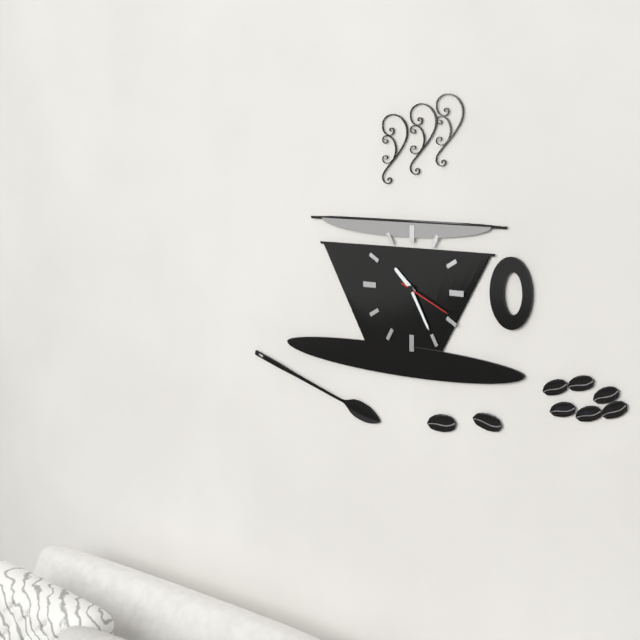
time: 10:25:19
